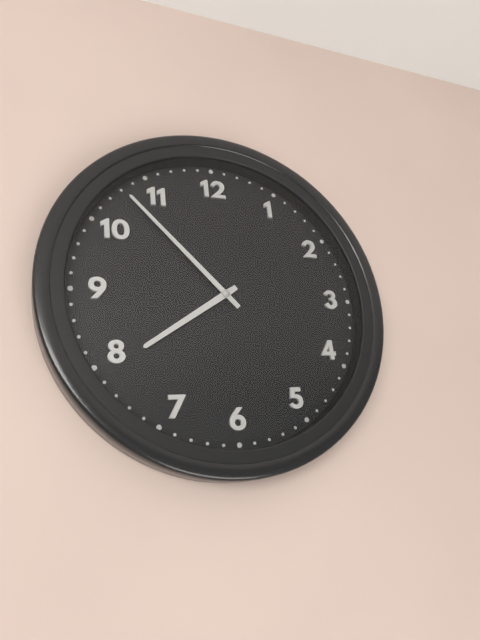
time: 7:53
